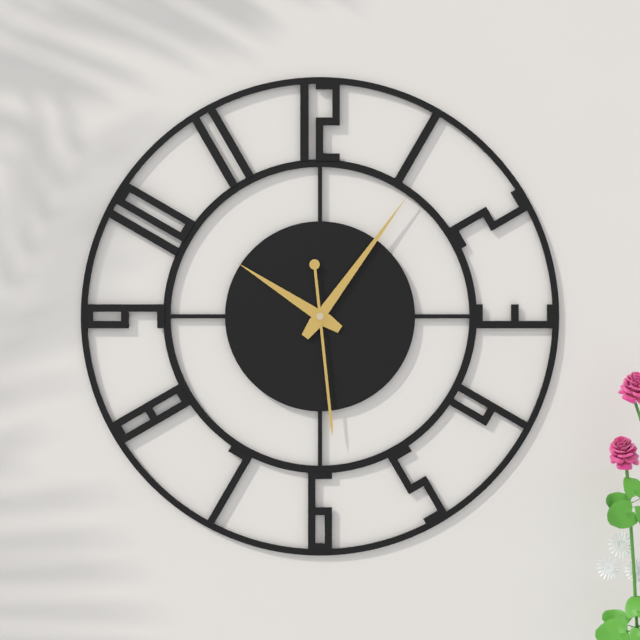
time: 10:06:29
